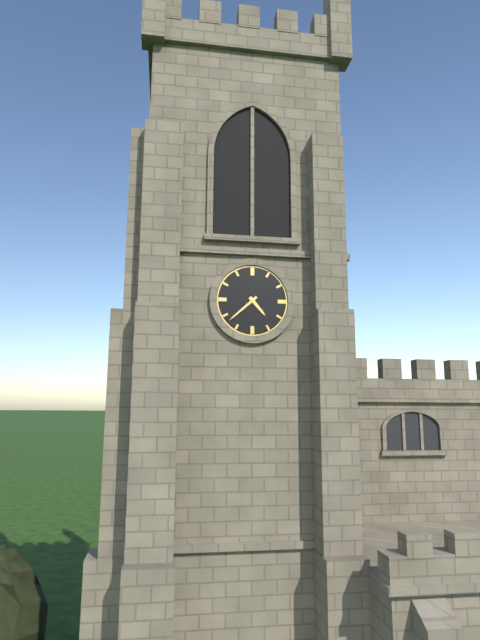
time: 4:38
